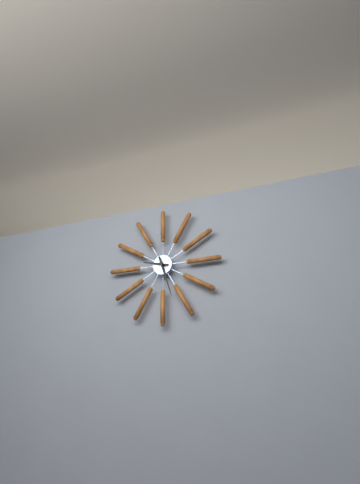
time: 9:27
